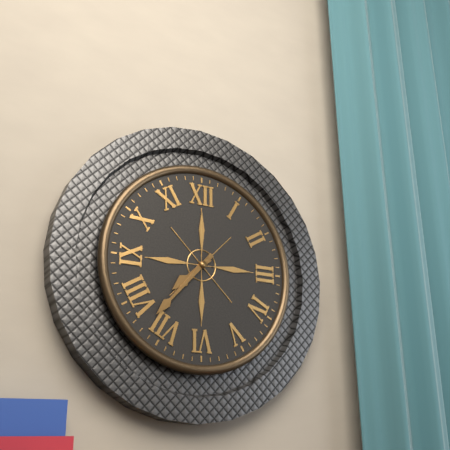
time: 7:37
